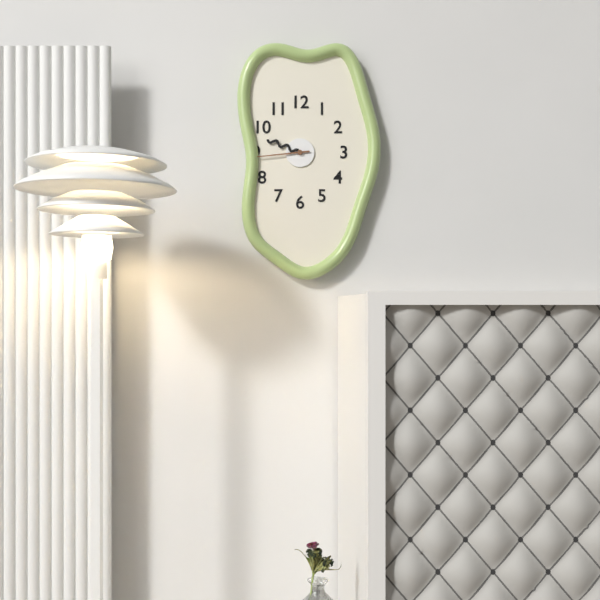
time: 9:44
